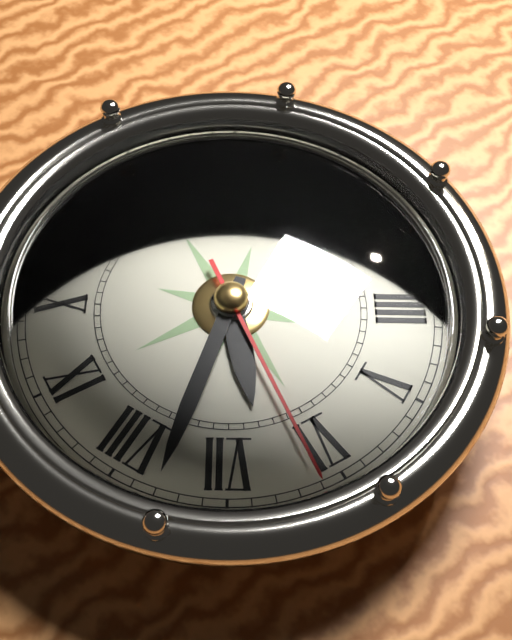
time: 6:38:31
